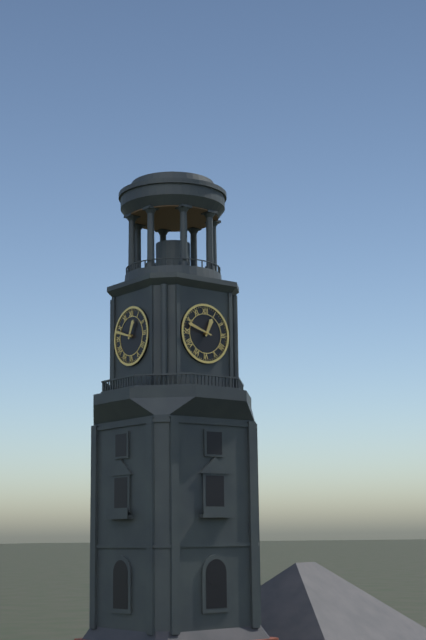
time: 12:48
